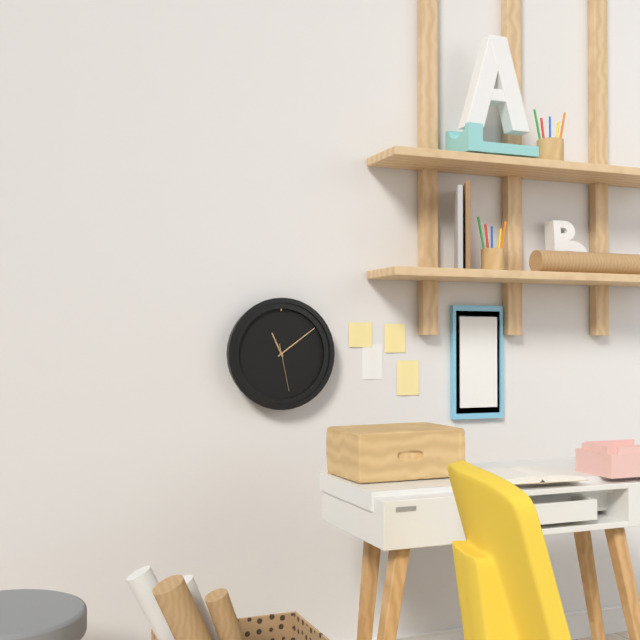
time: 11:09
